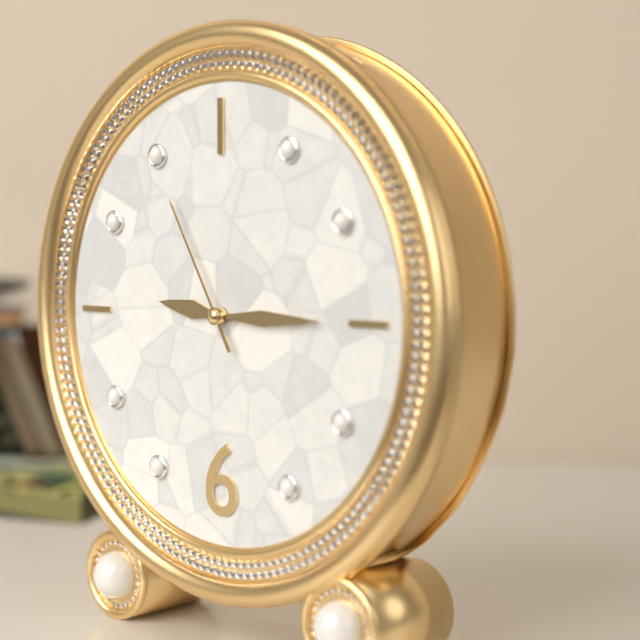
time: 9:15:55
